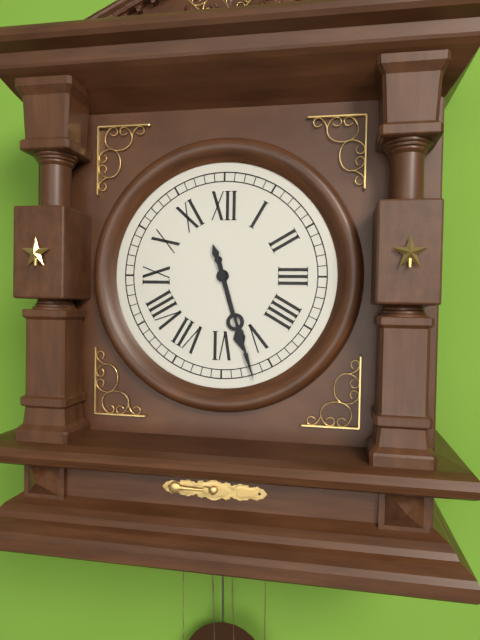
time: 5:27
